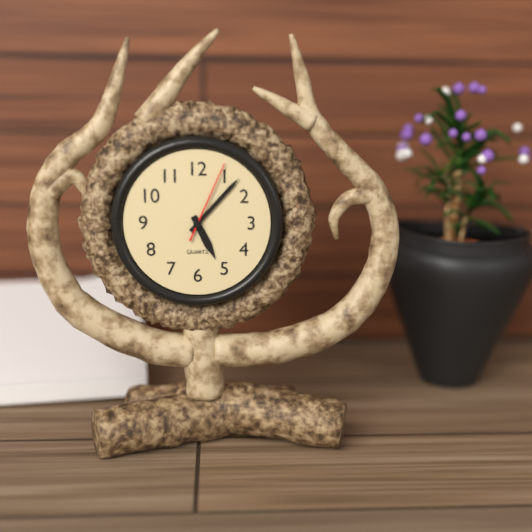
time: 5:07:04
